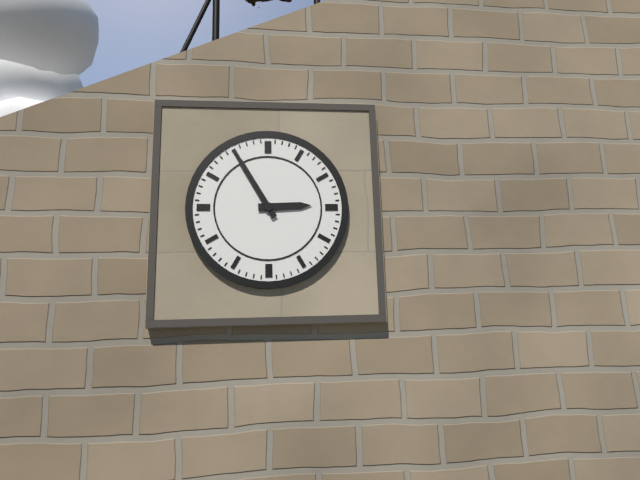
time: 2:55
